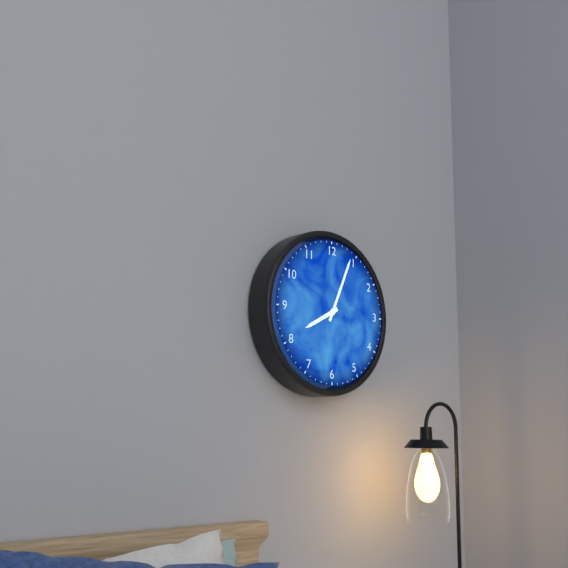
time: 8:04
